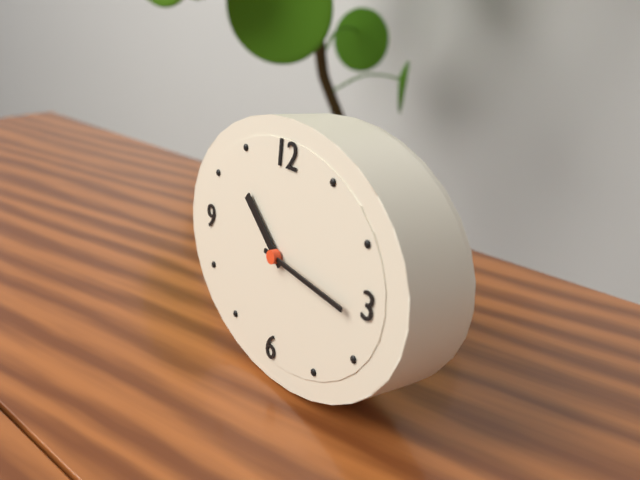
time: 10:16
